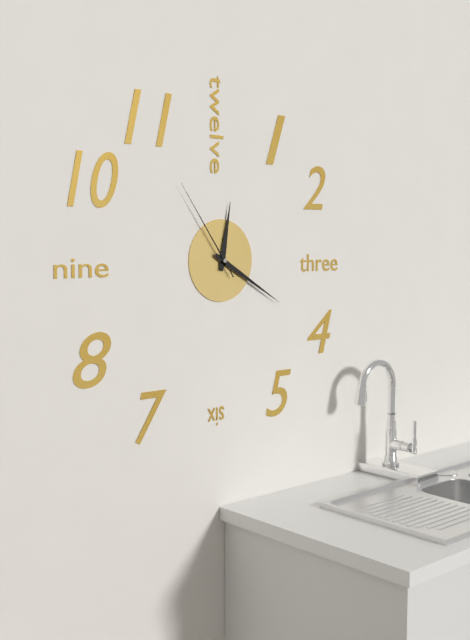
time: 12:20:54
